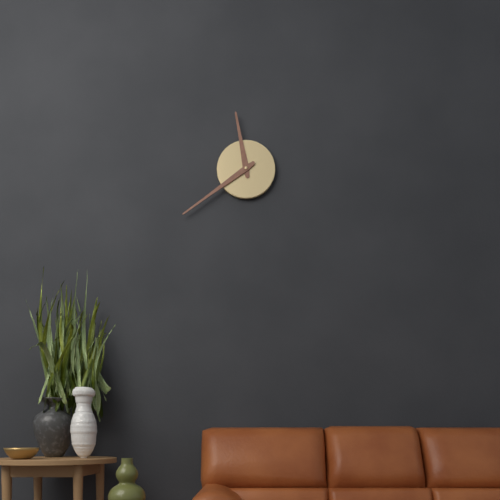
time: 11:39
